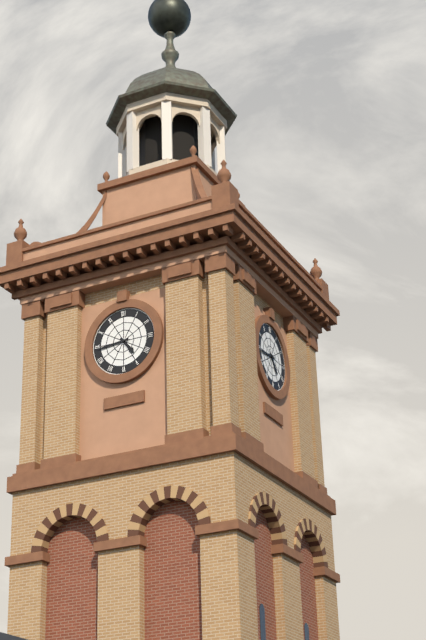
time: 4:44
